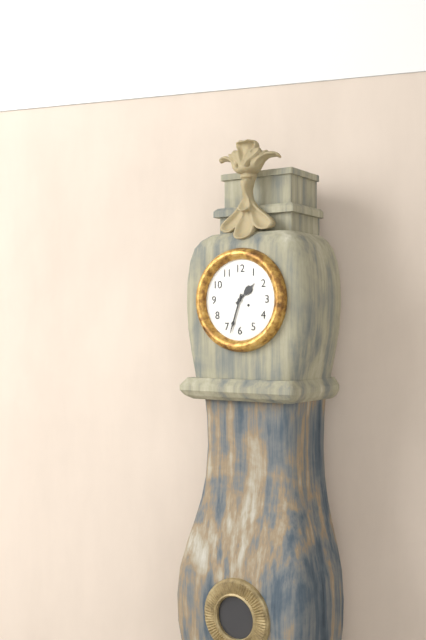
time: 1:33
